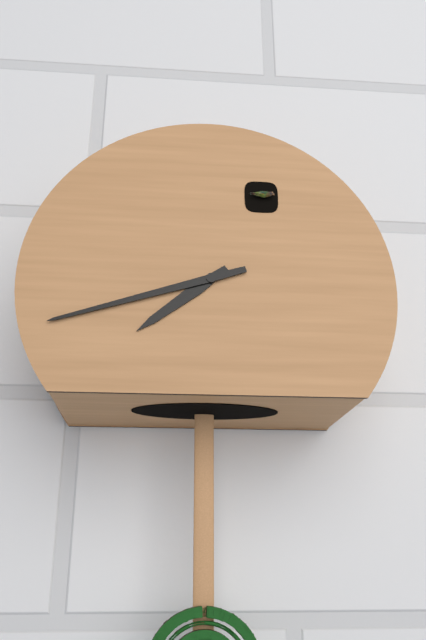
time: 7:42
